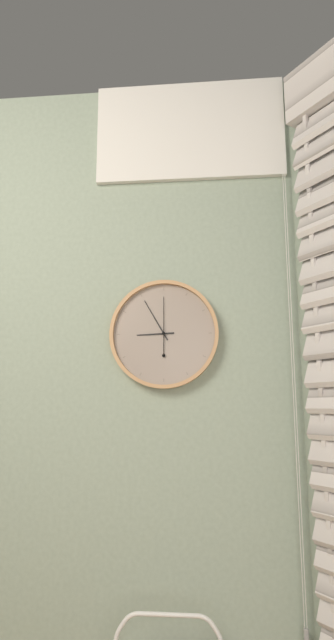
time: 8:55
